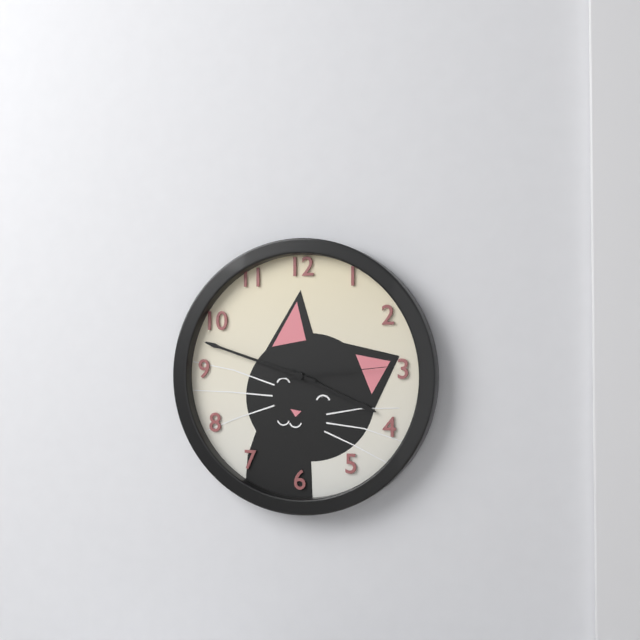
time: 3:48:14
